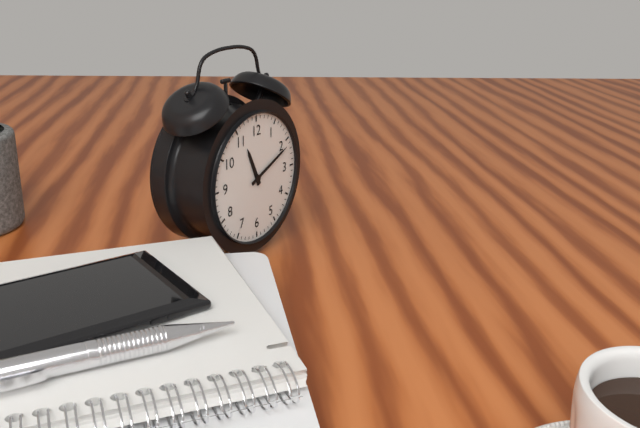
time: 11:11
